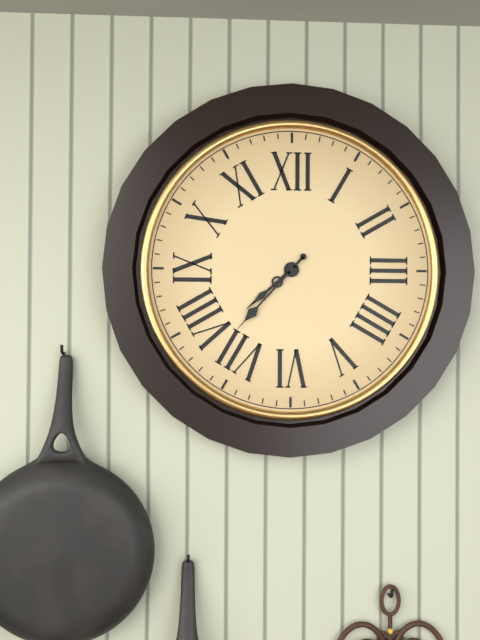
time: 7:37
